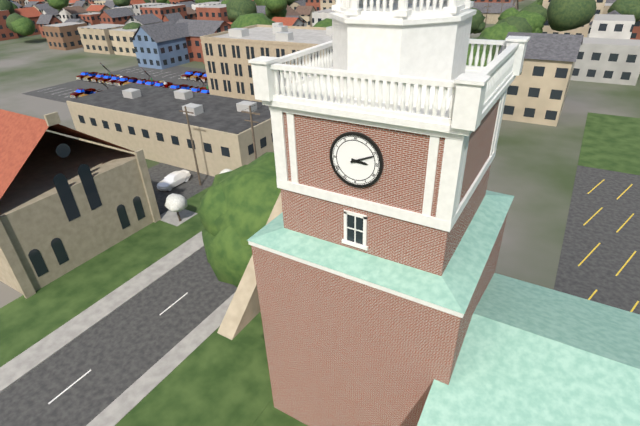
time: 3:11
